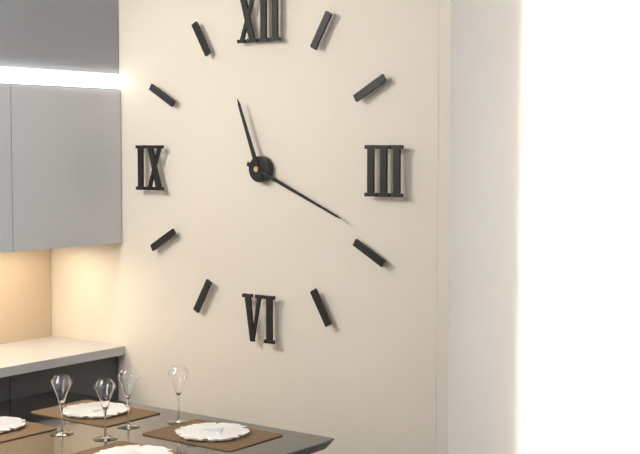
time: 11:19
